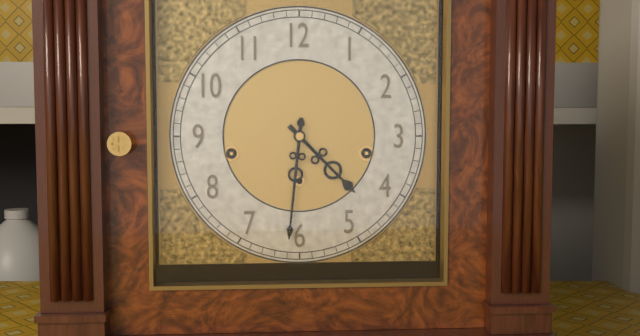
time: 4:31
